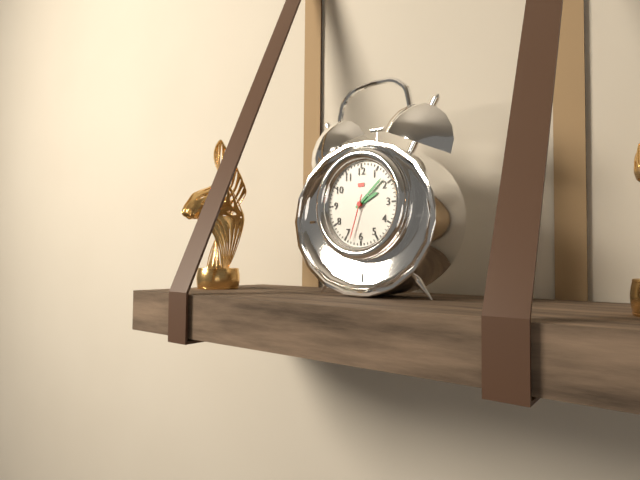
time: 2:08
